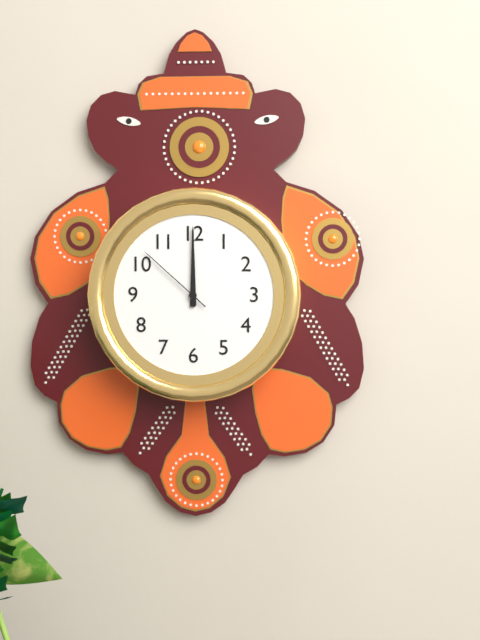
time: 12:00:52
